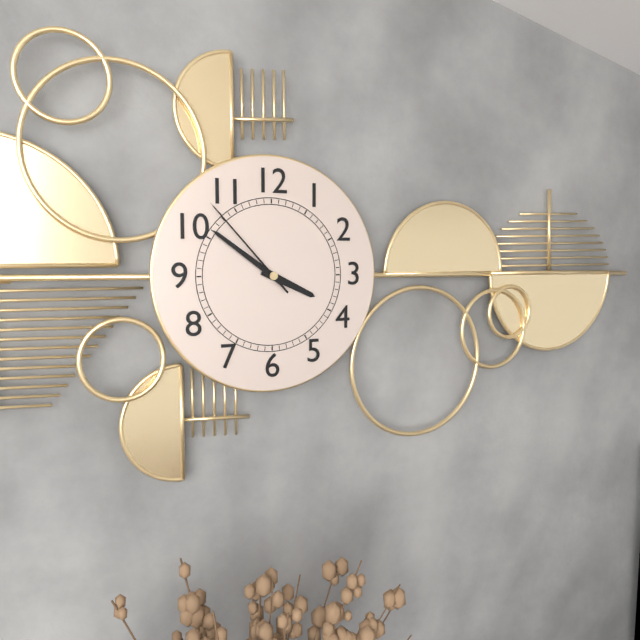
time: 3:51:53
